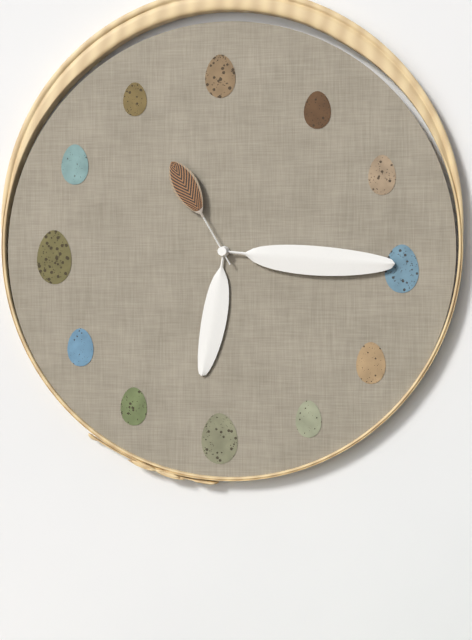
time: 6:16:55
